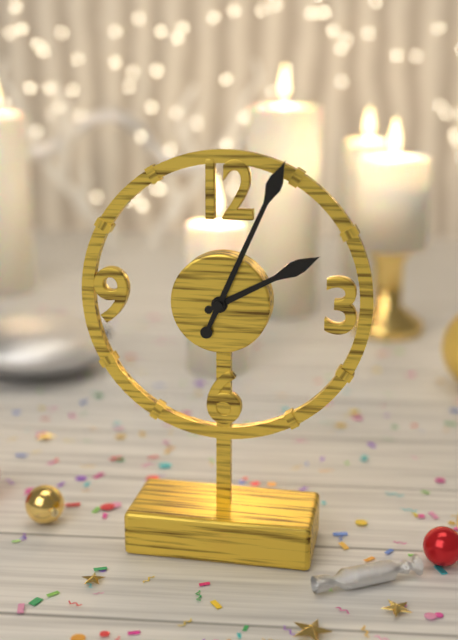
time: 2:04
